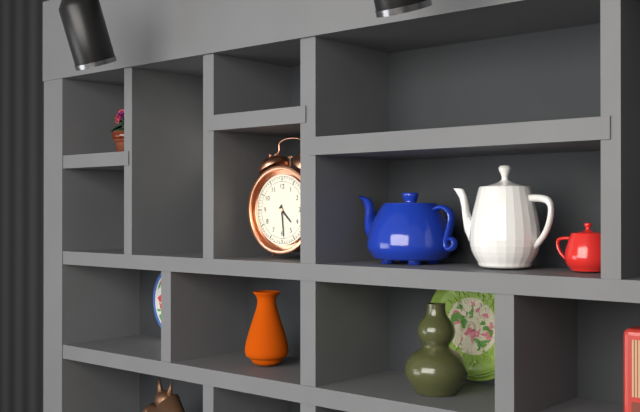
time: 4:29
